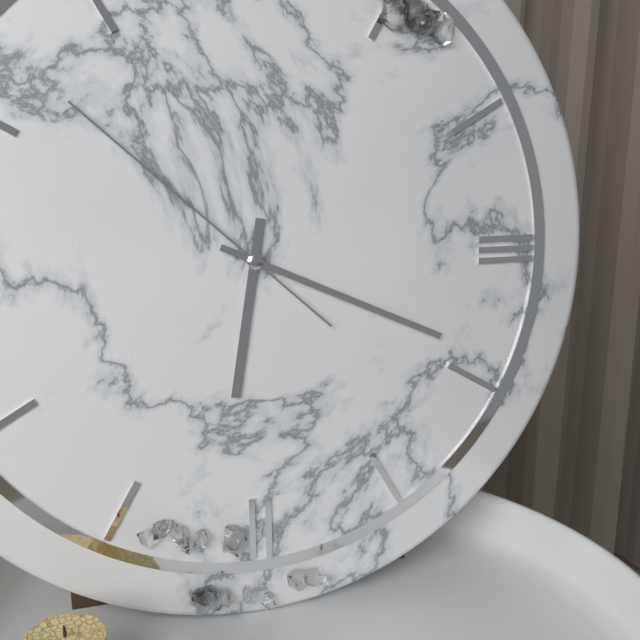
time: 6:19:52
